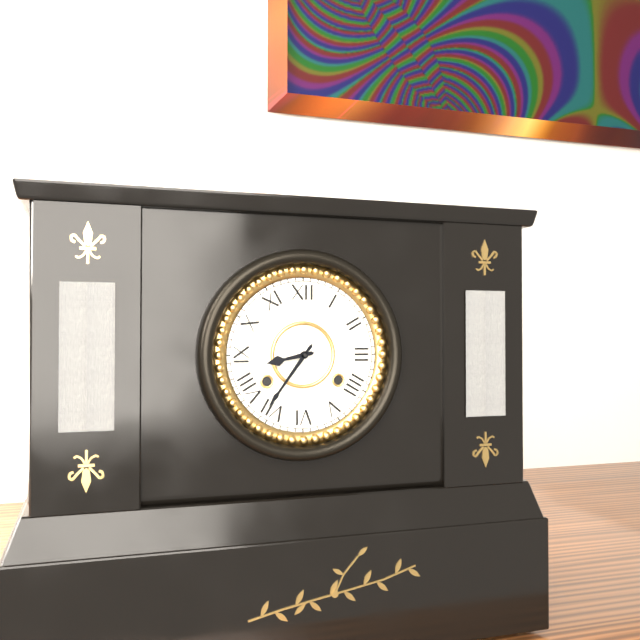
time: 8:36
